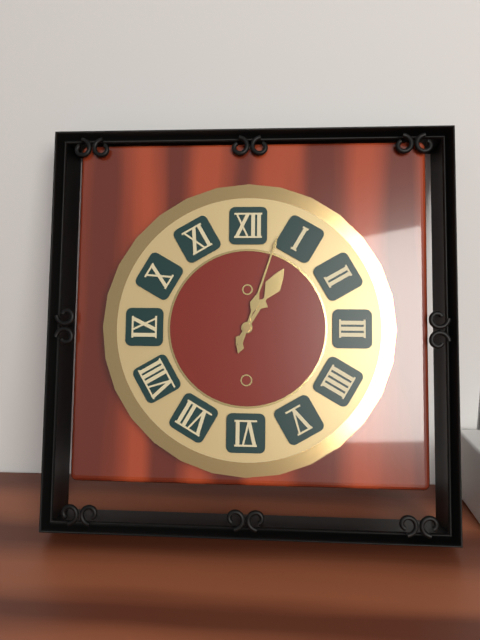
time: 1:03
